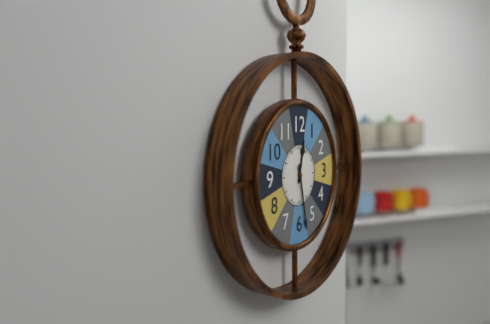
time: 12:28
